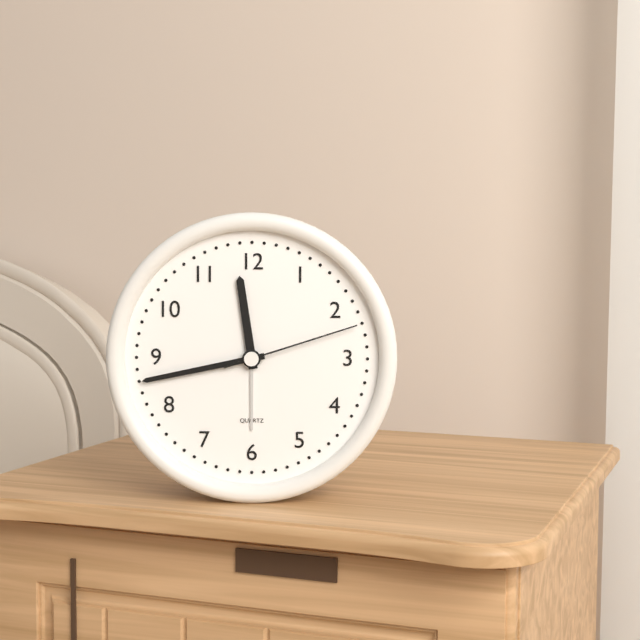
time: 11:43:12
